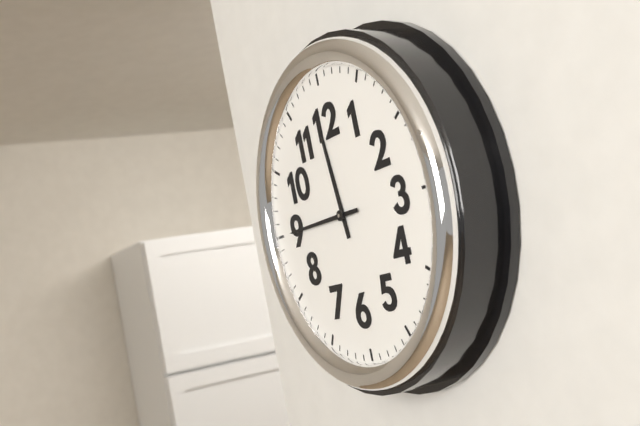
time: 11:45
